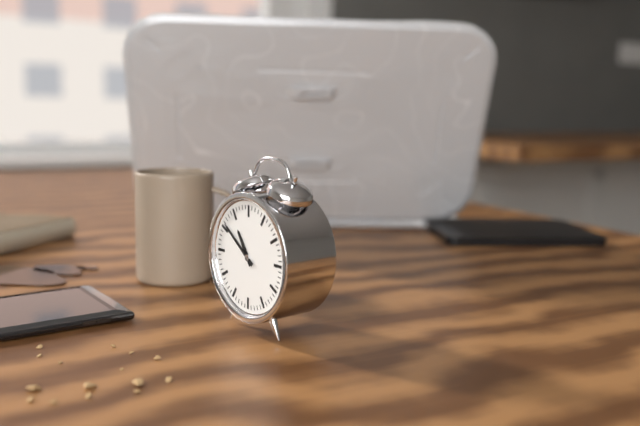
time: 10:51
